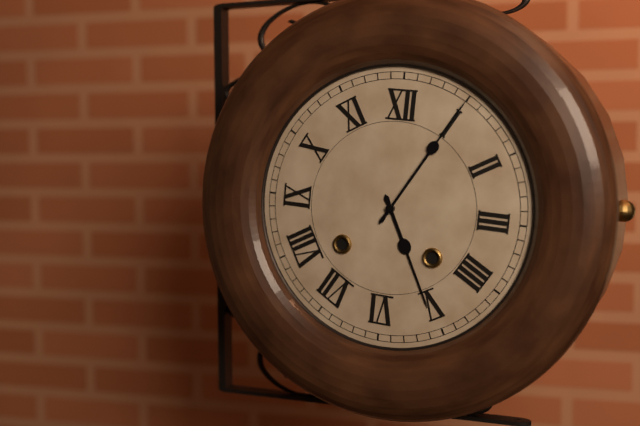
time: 5:05
